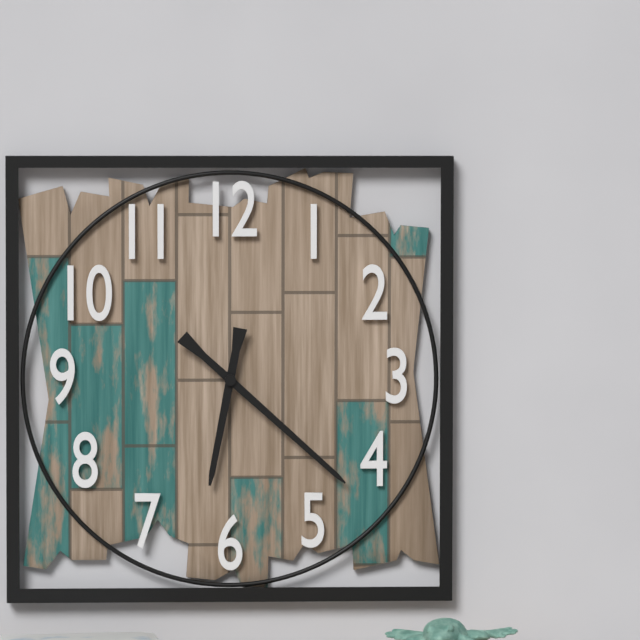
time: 6:22
